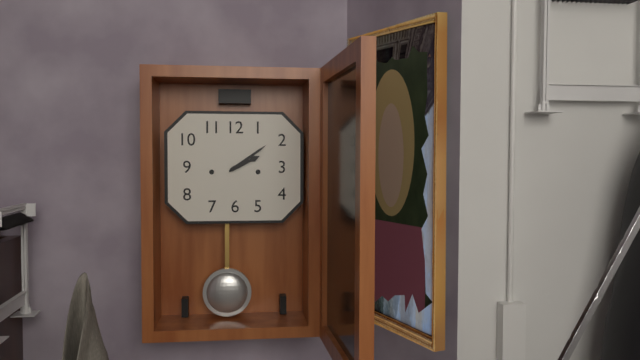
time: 2:09
